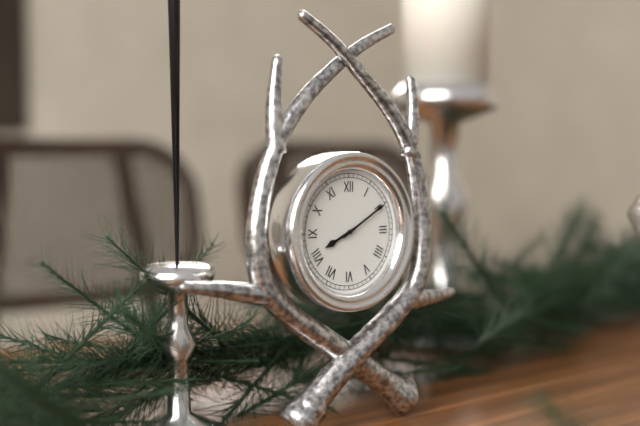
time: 8:10
